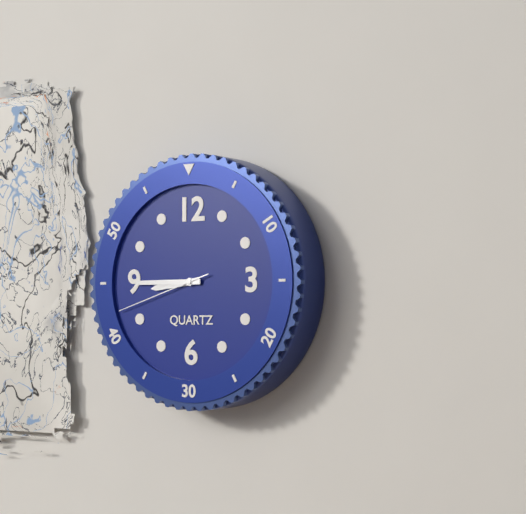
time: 8:45:42
